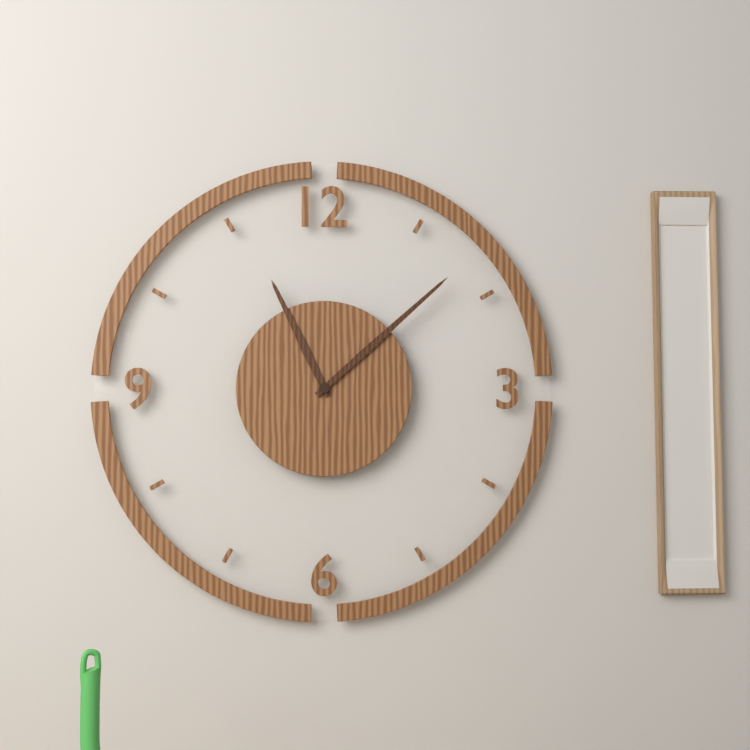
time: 11:08
